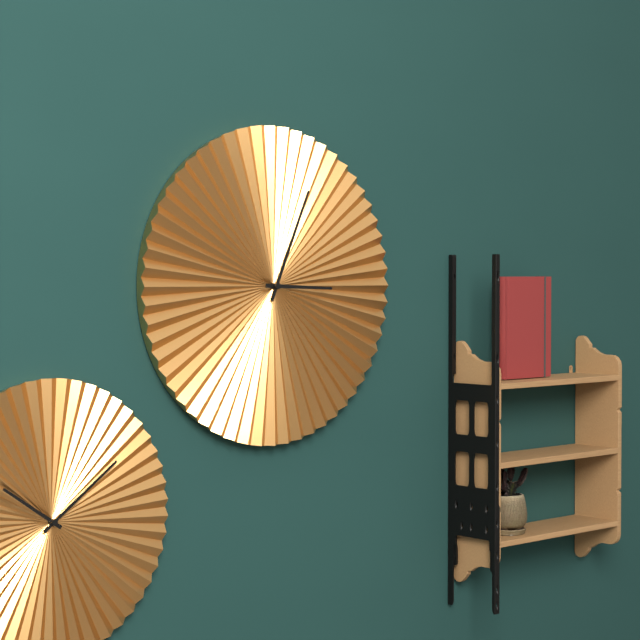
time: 3:04
